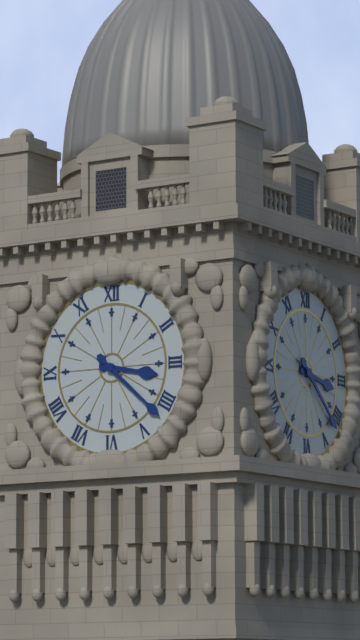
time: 3:22
